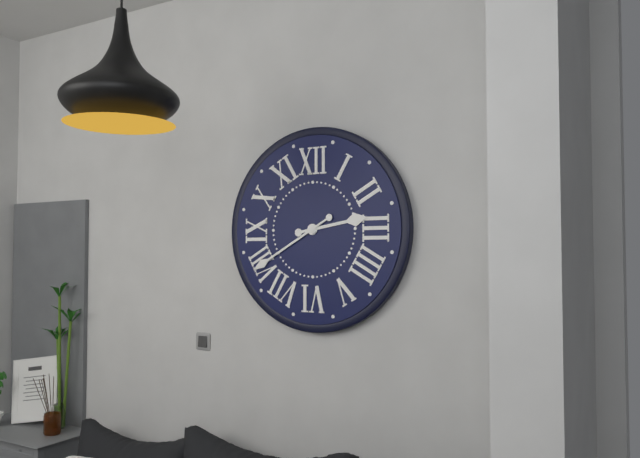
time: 2:40
